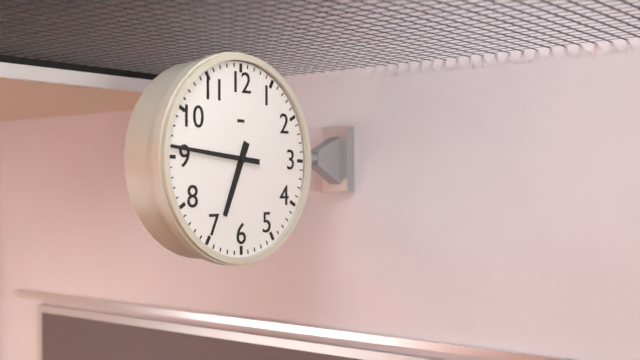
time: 6:46
